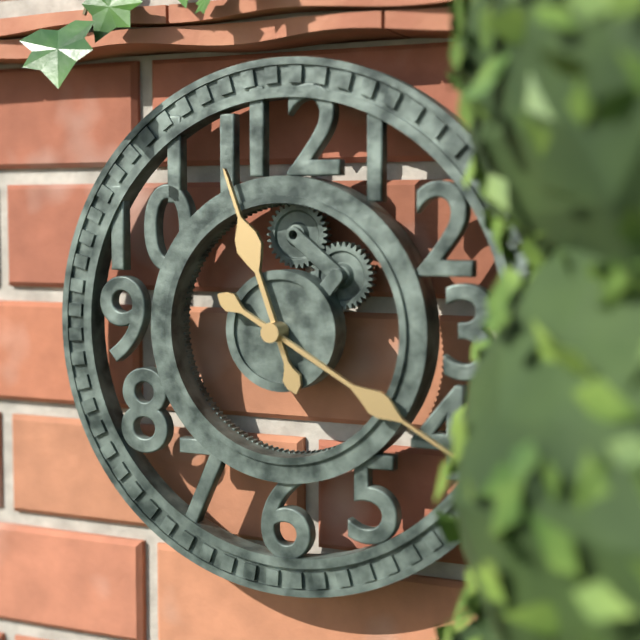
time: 11:20
